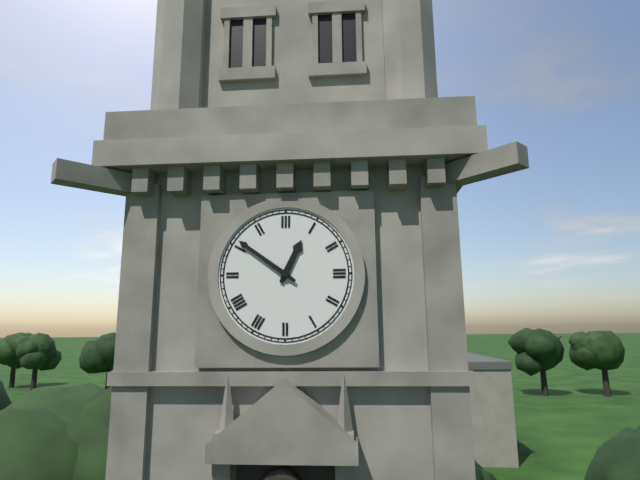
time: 12:51
